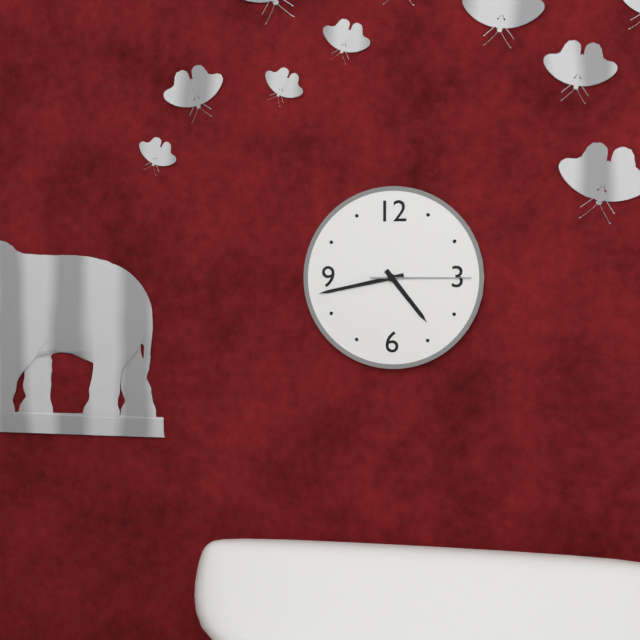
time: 4:43:15
